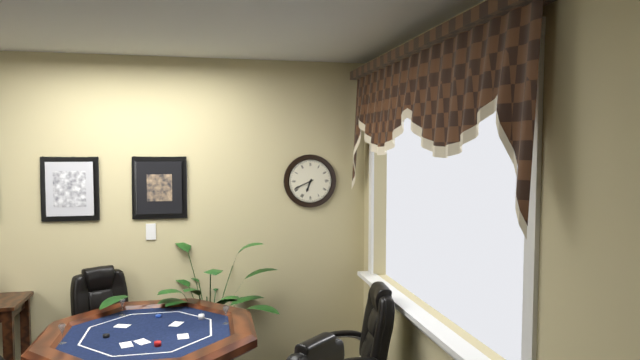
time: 6:41
